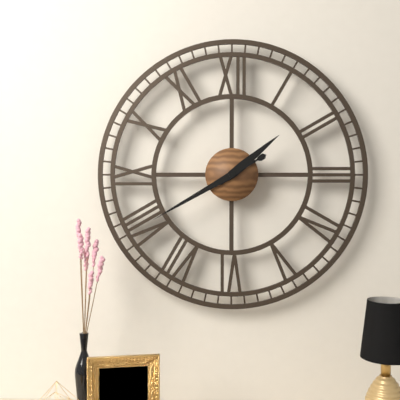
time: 1:40
